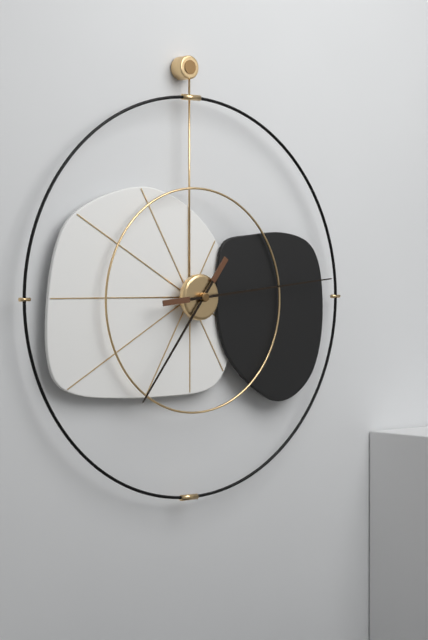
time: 7:14
